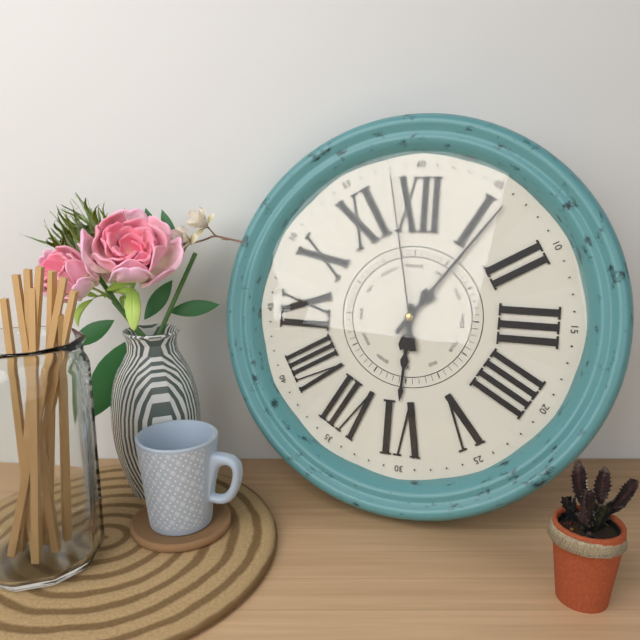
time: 6:06:58
